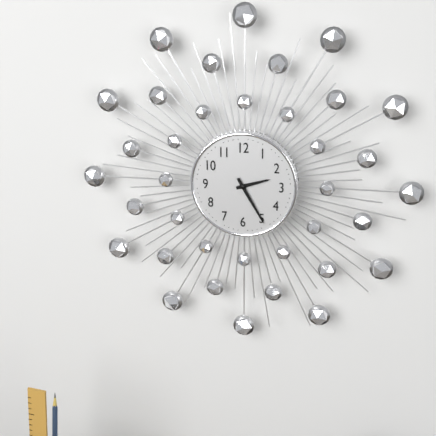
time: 2:25
